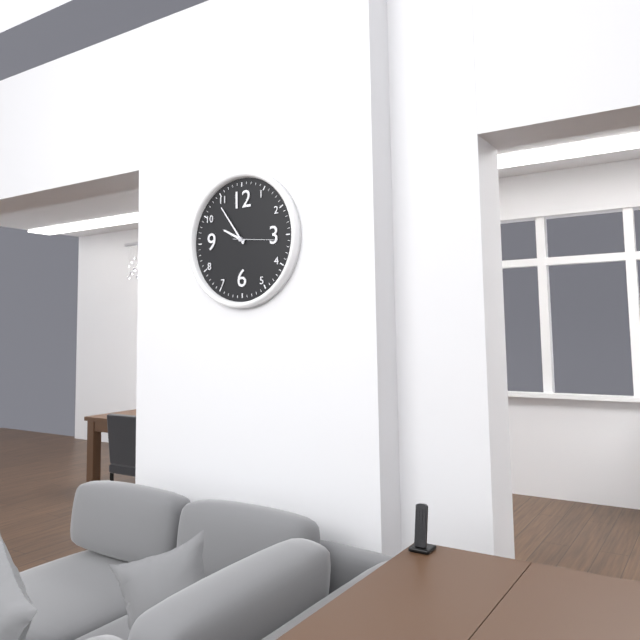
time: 9:54
